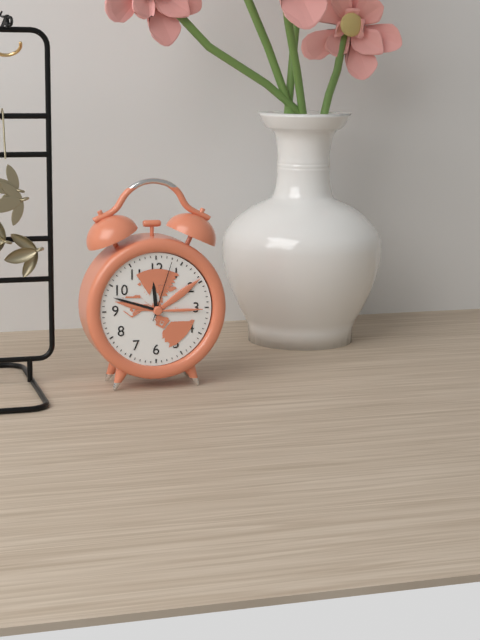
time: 11:48:03
